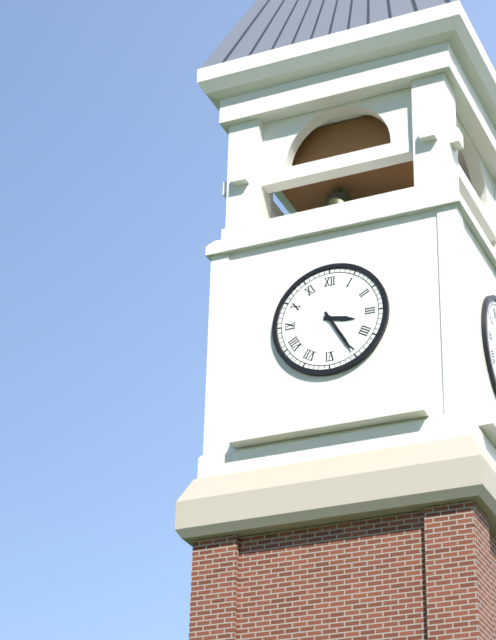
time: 3:25
